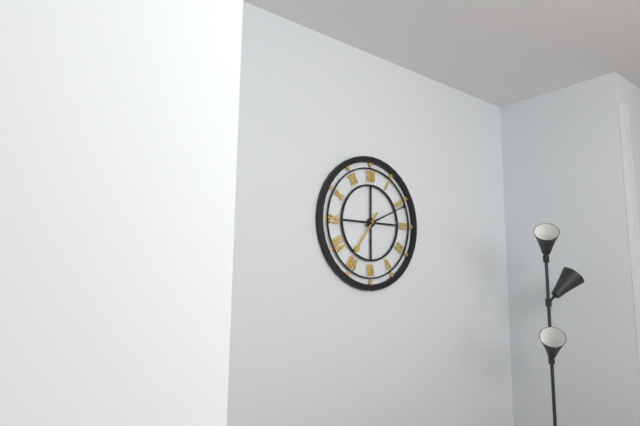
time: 7:11
